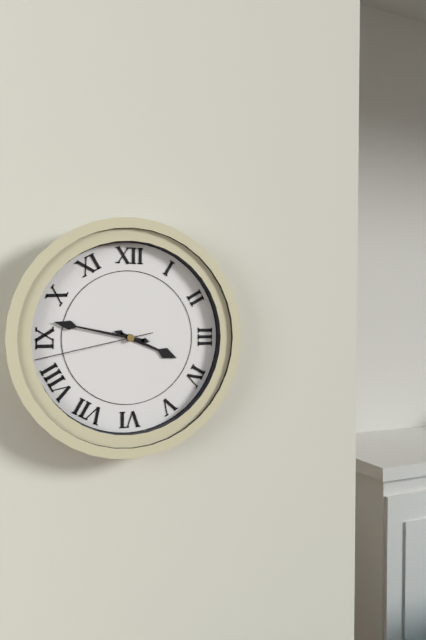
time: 3:47:43
